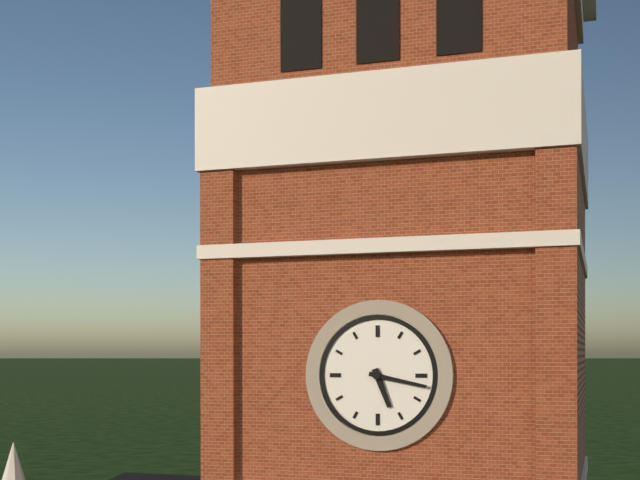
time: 5:17
